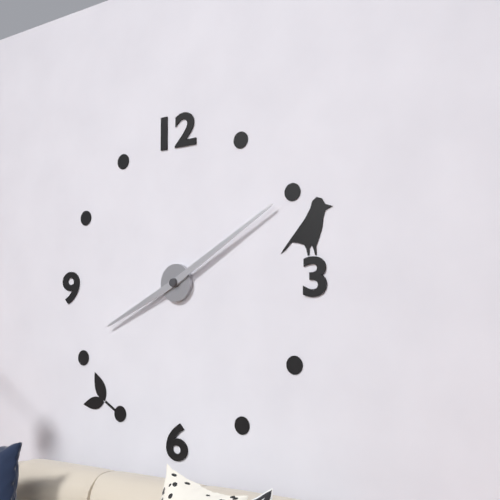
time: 8:10
